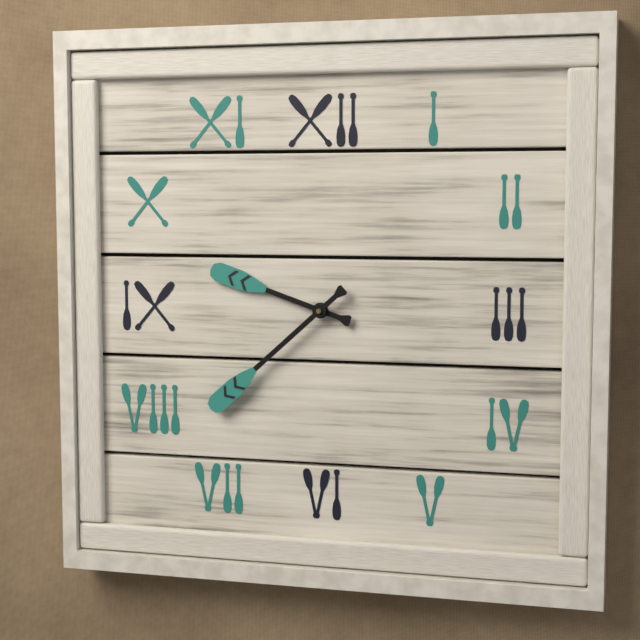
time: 9:38
